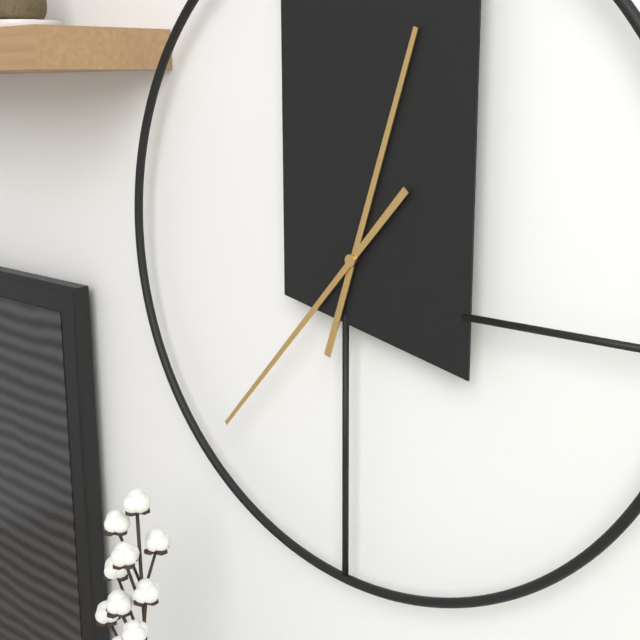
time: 12:37
